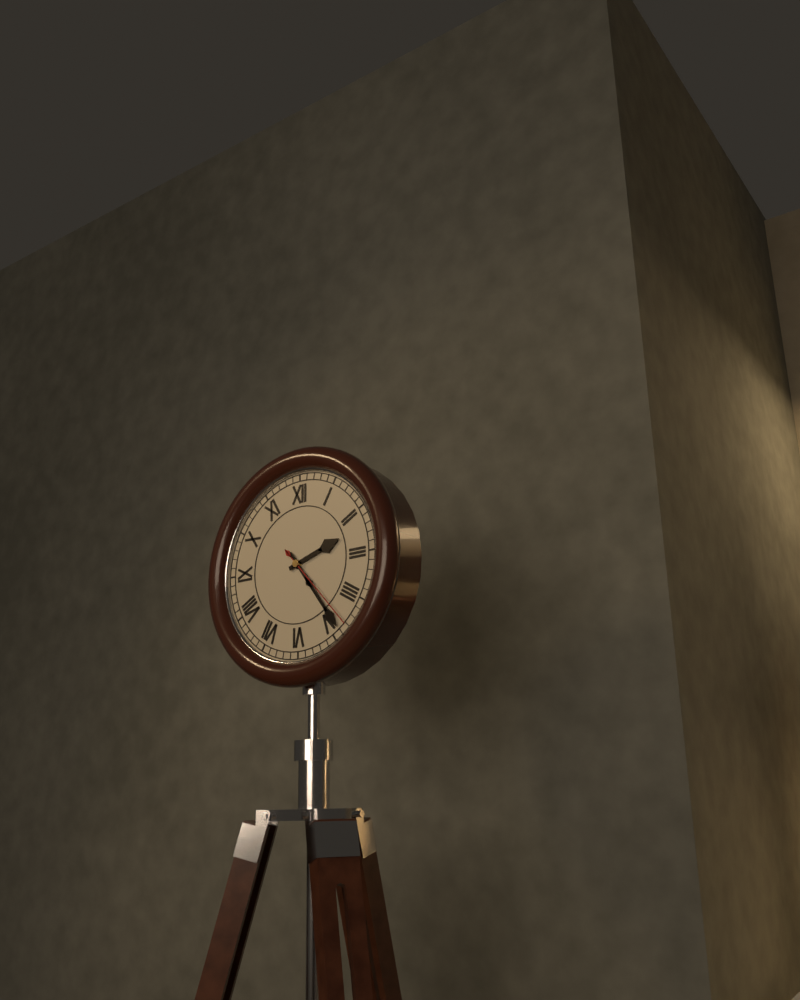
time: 2:24:23
